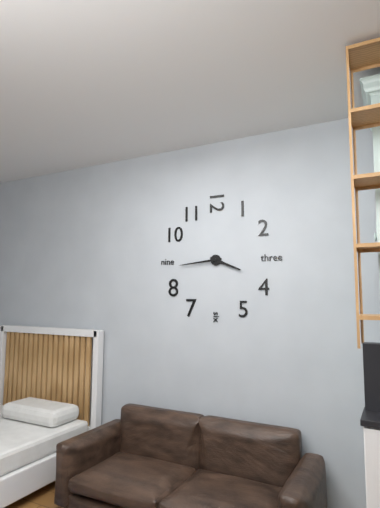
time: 3:44
